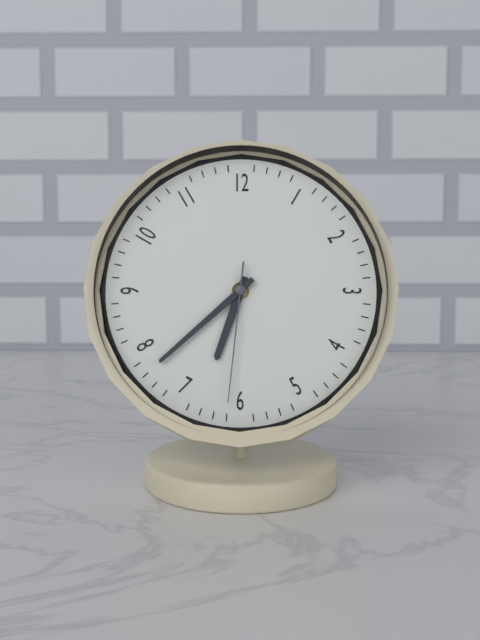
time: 6:38:31
